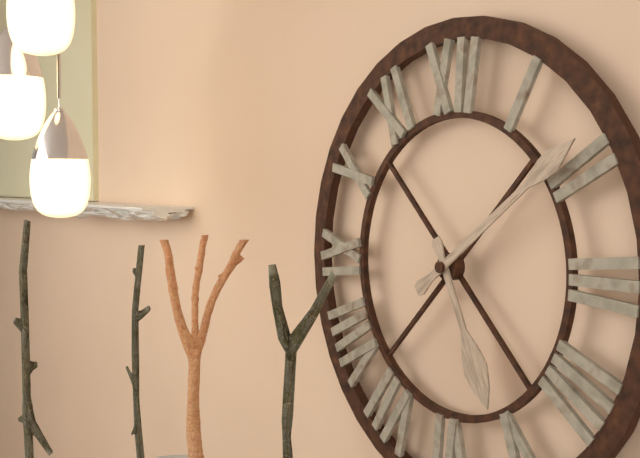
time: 5:09
